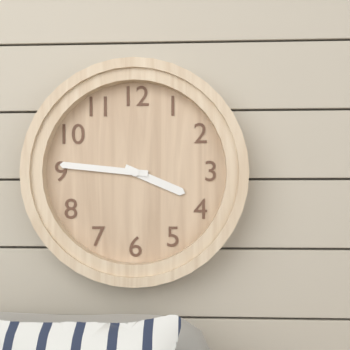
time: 3:46
